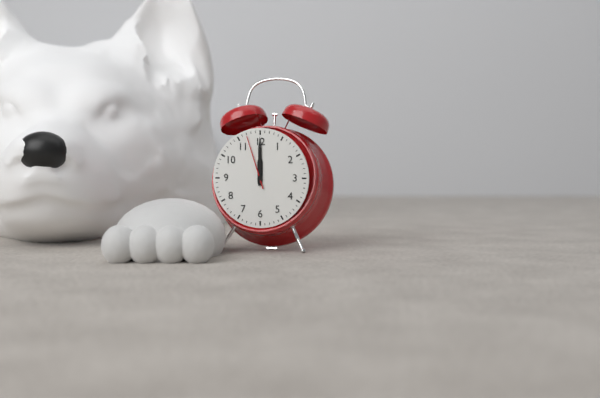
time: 12:00:57
